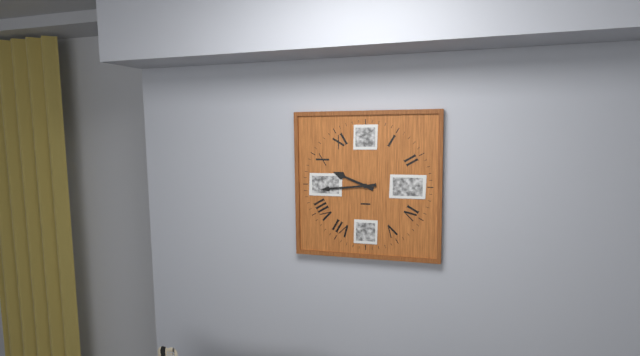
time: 9:44
